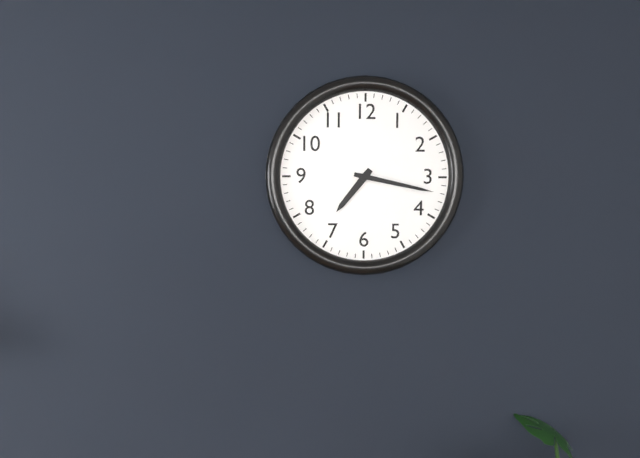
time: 7:17
